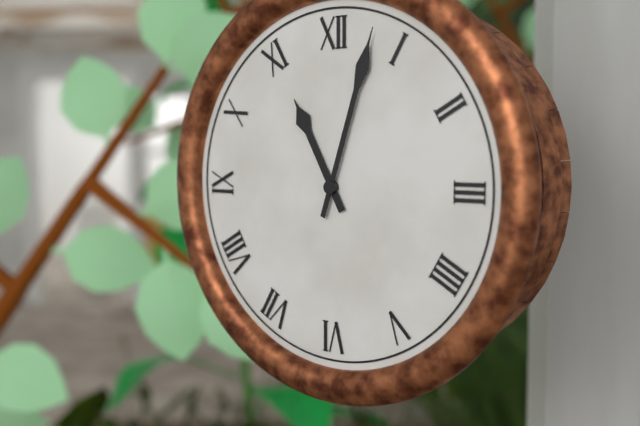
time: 11:03
